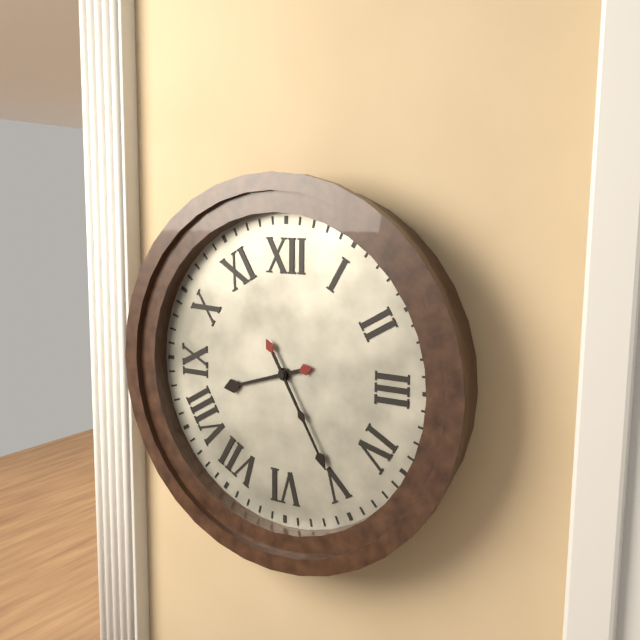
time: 8:25
